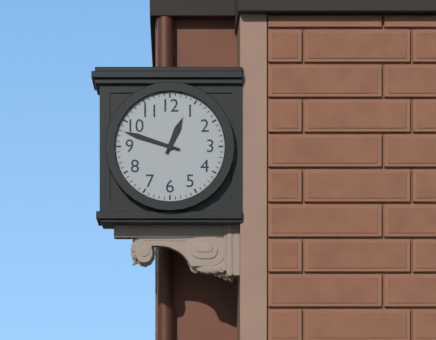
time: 12:48
